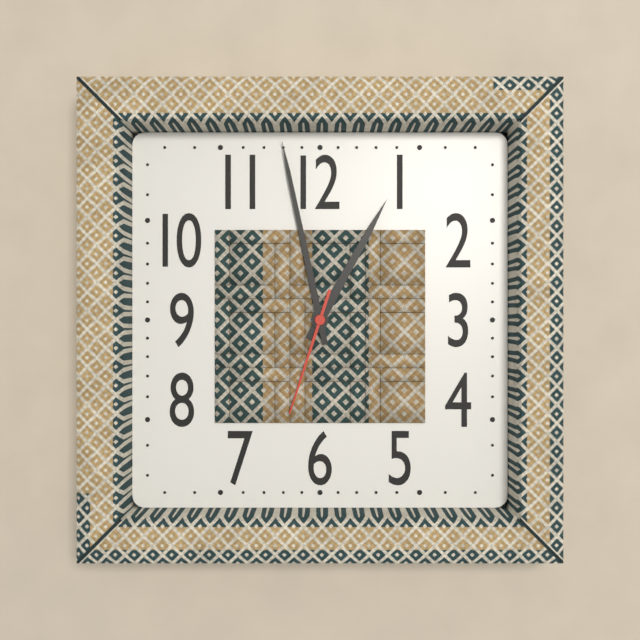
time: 12:58:33
